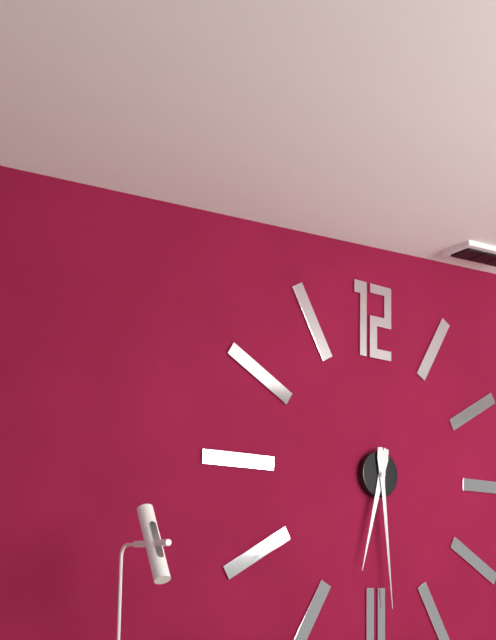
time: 6:29
